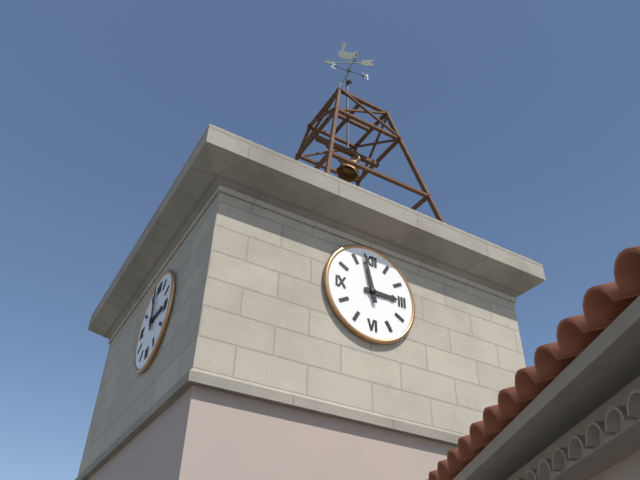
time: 2:58
